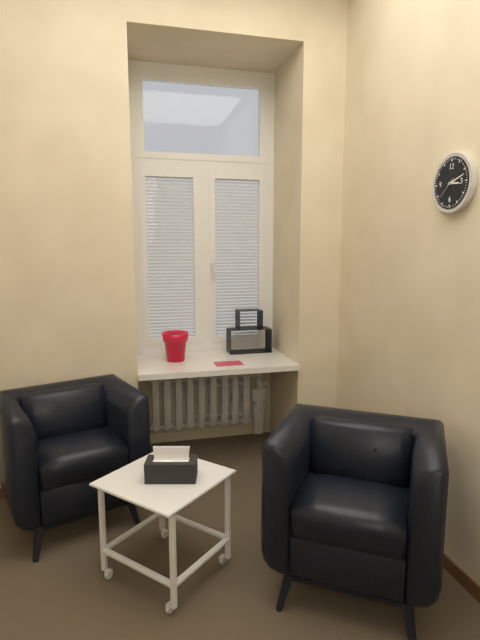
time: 3:12
